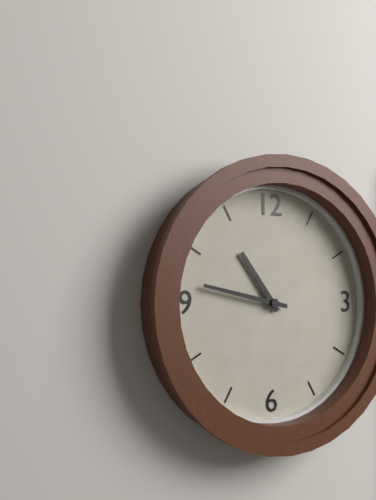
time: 10:47
